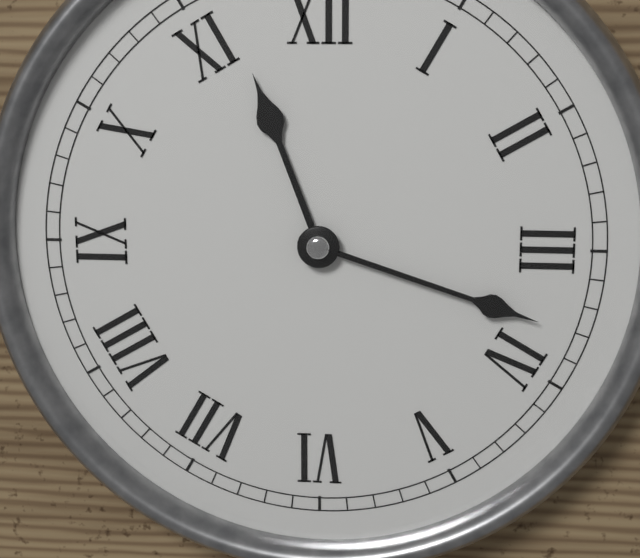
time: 11:18
